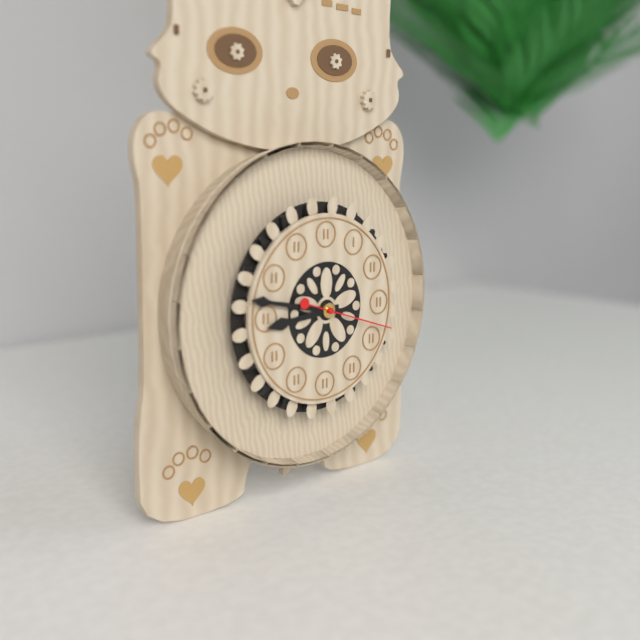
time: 8:47:18
